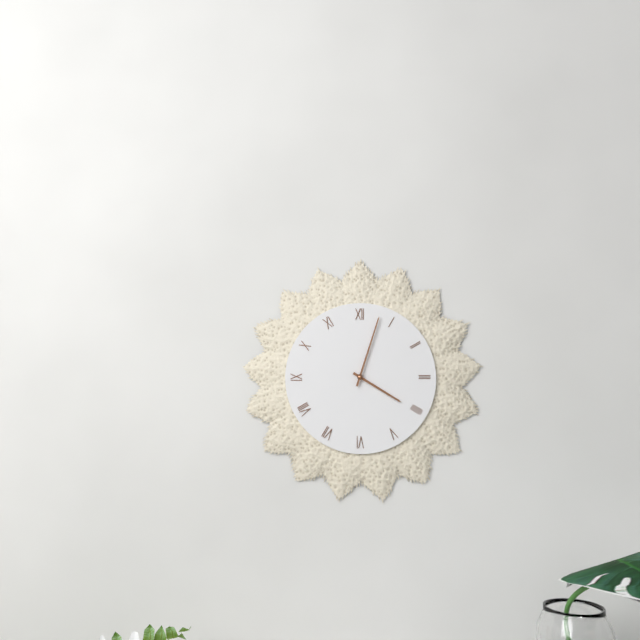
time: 4:03
